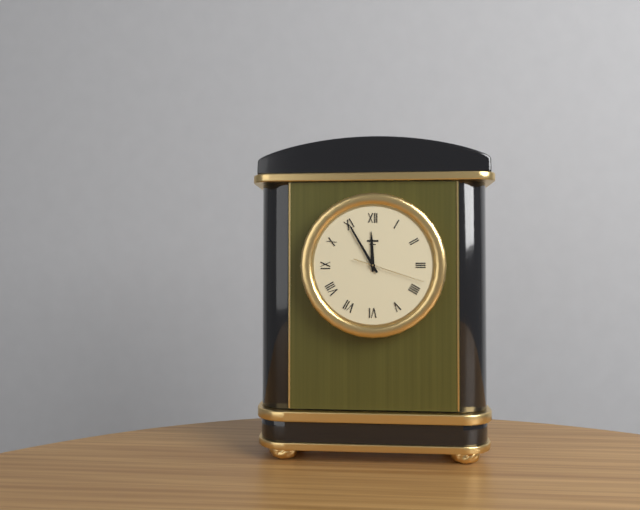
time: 11:55:18
